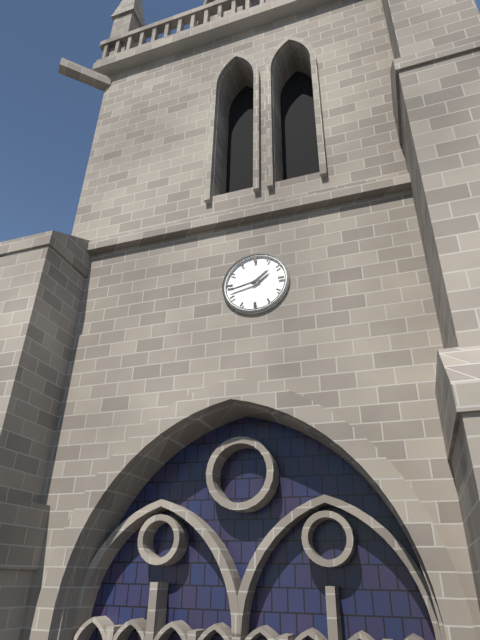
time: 1:43
